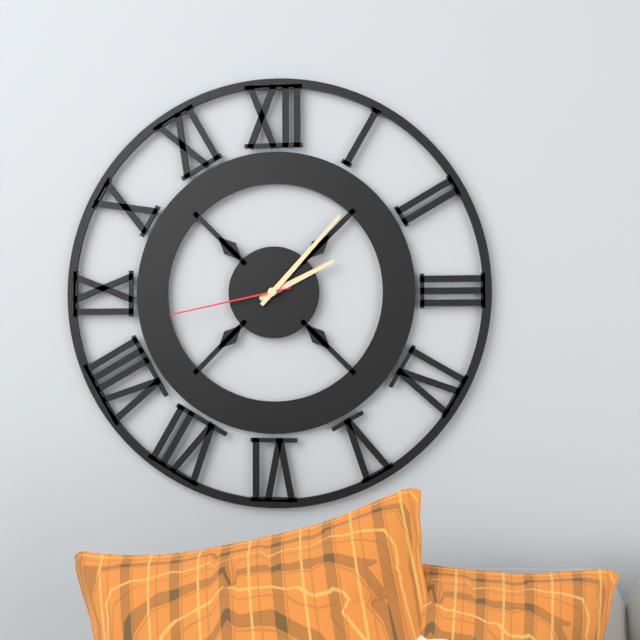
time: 2:07:43
